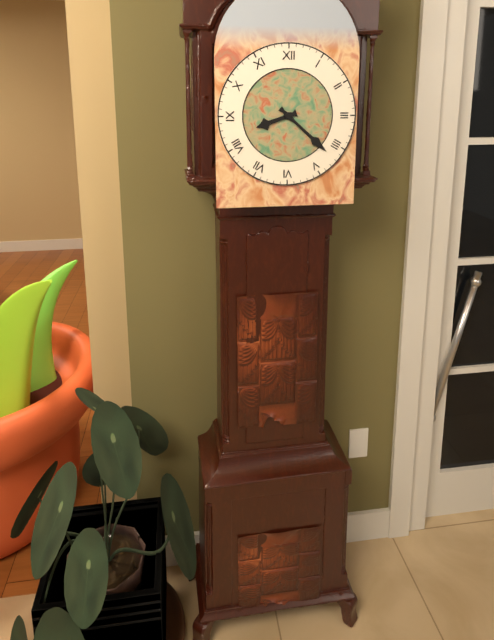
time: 8:22
